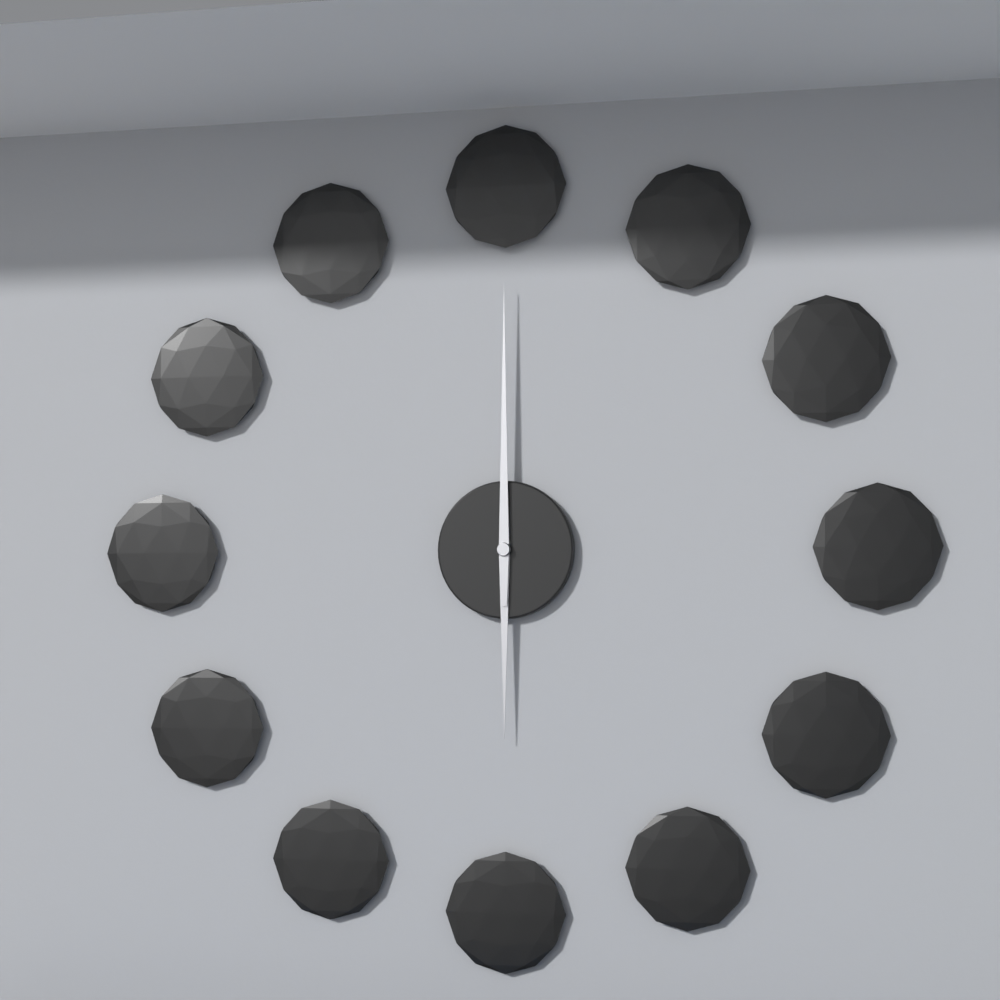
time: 6:00
